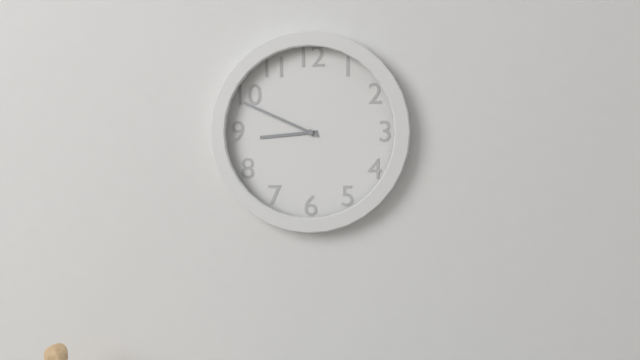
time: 8:49
